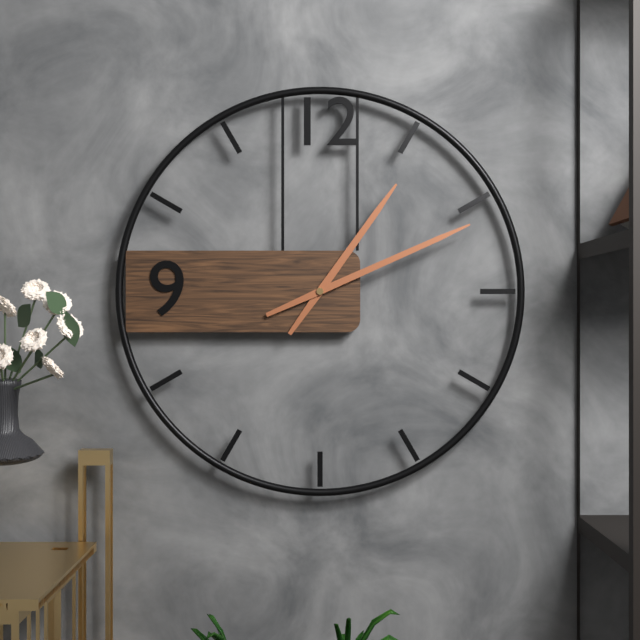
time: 1:11
